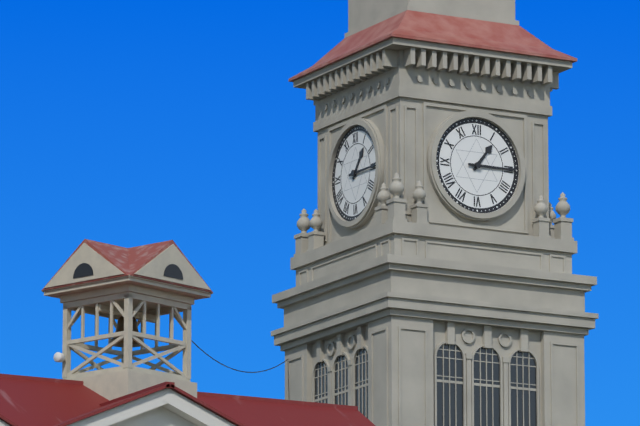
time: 1:15
